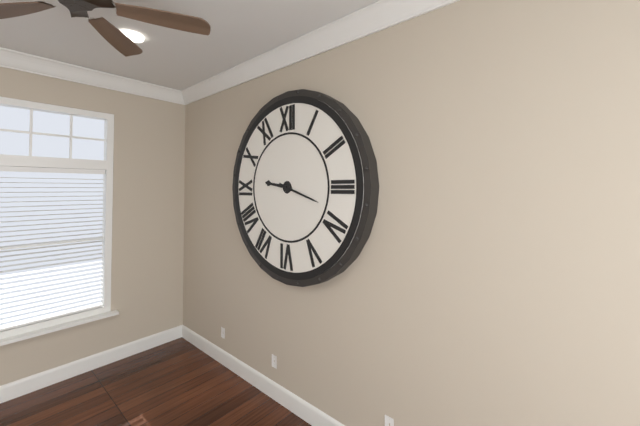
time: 9:18
